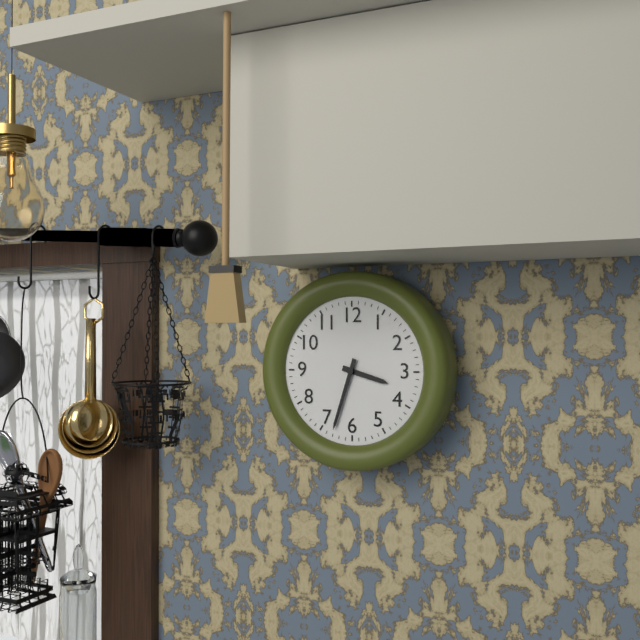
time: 3:33
